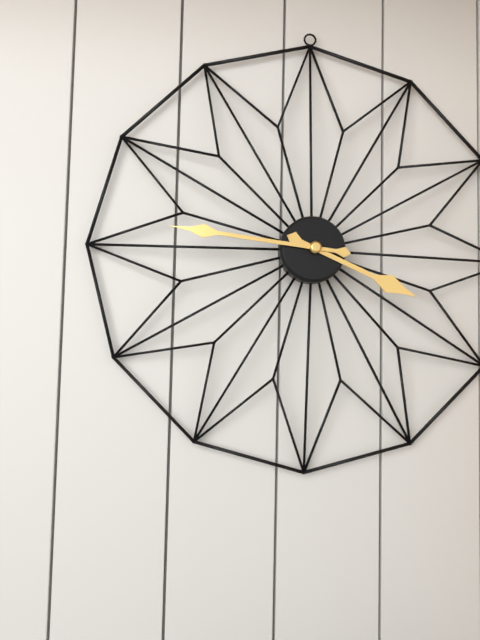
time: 3:46
